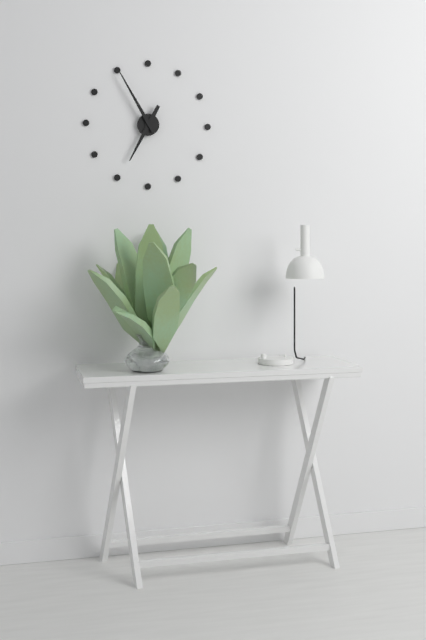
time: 6:55
